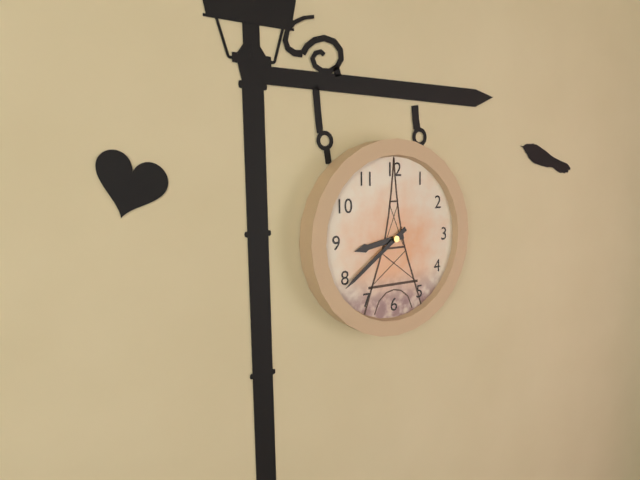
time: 8:39
